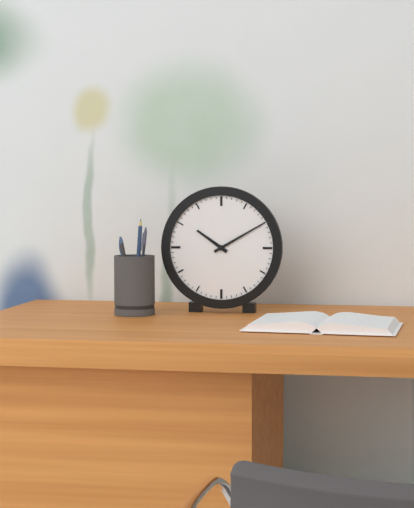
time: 10:10
